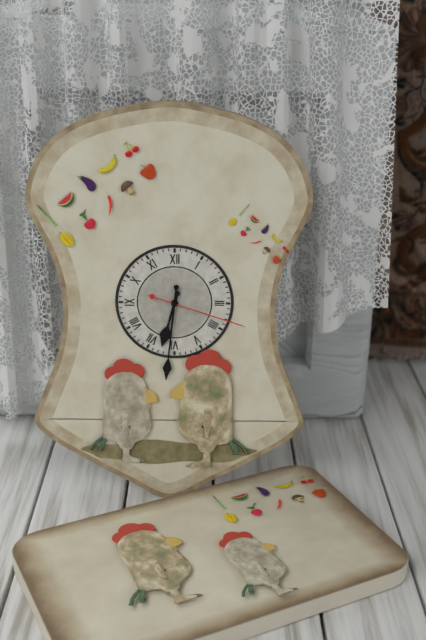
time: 6:31:18
